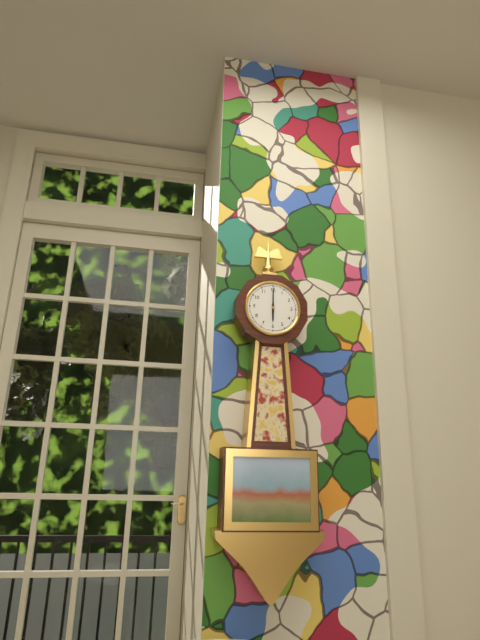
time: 6:00
